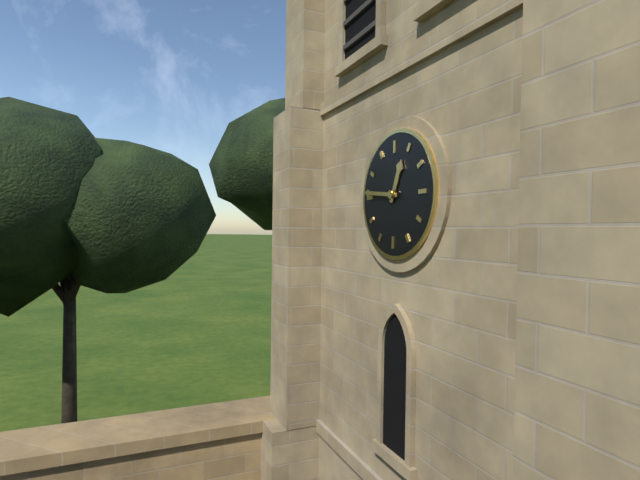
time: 12:46
